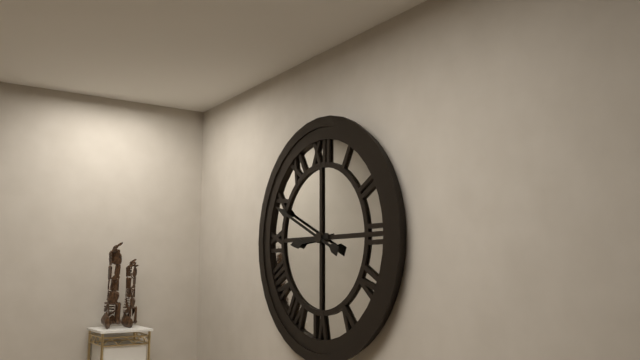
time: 8:49
